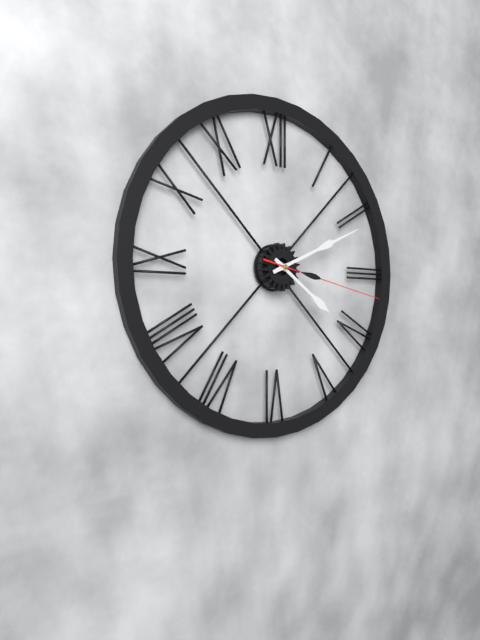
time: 4:11:17
